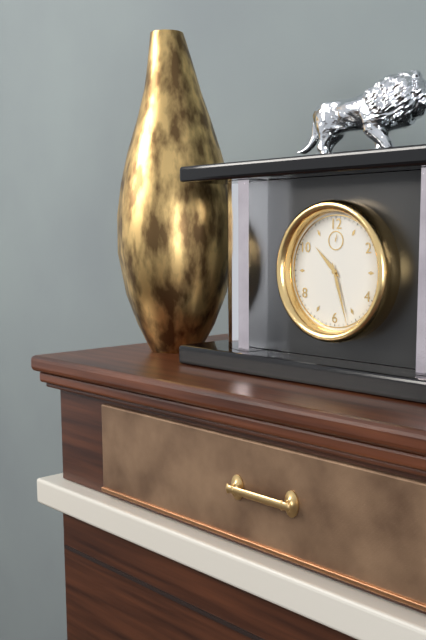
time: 10:27
